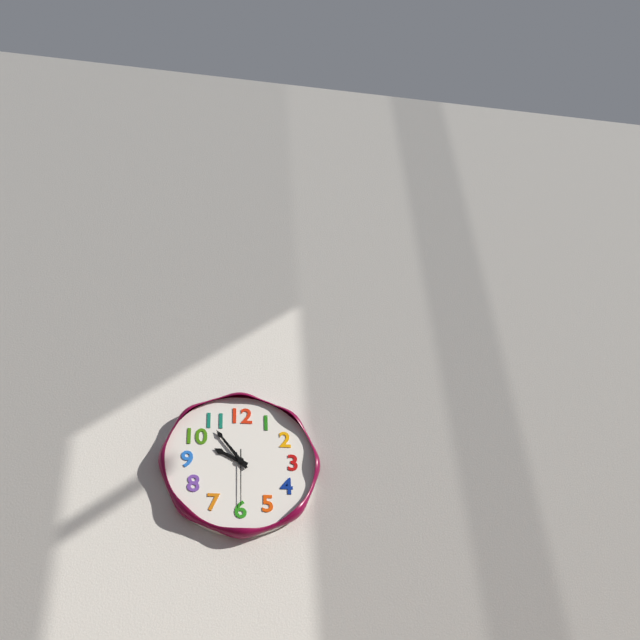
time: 9:54:30
